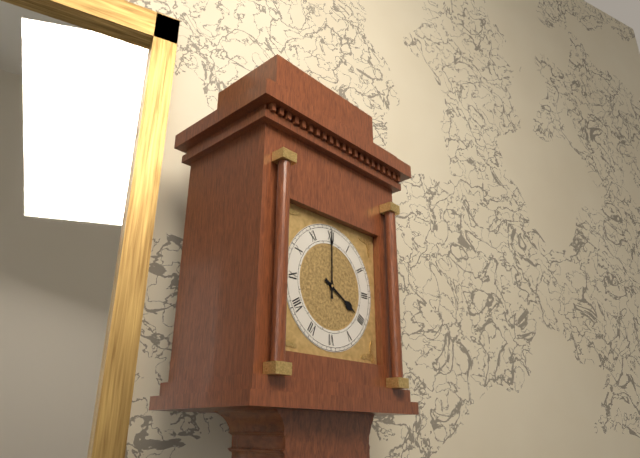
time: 4:00
